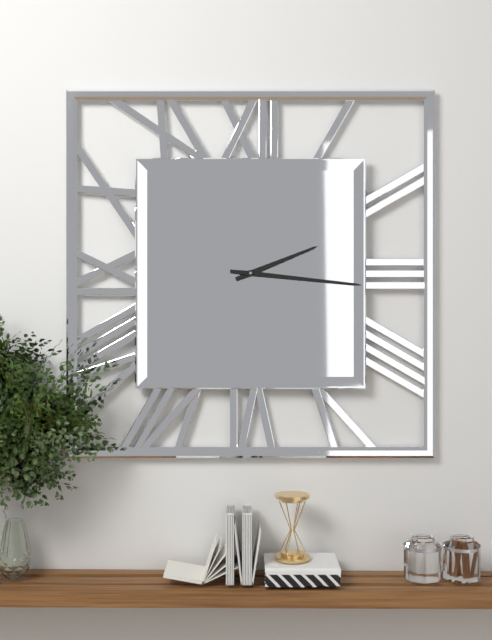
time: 2:16
